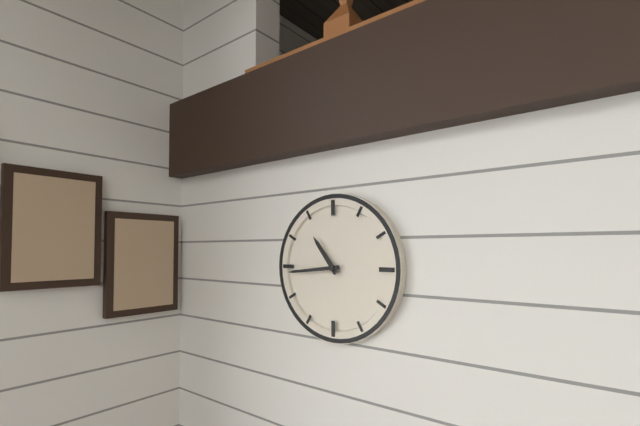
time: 10:44
